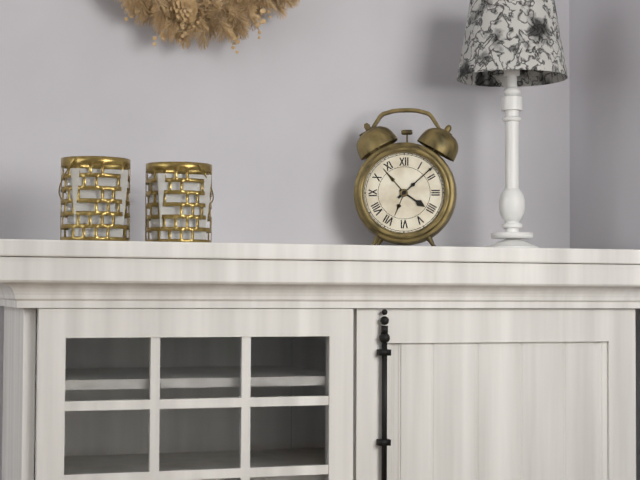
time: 4:08
